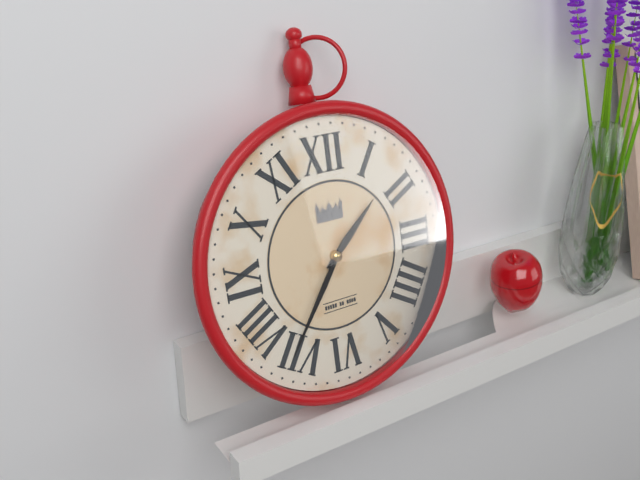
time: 1:36
